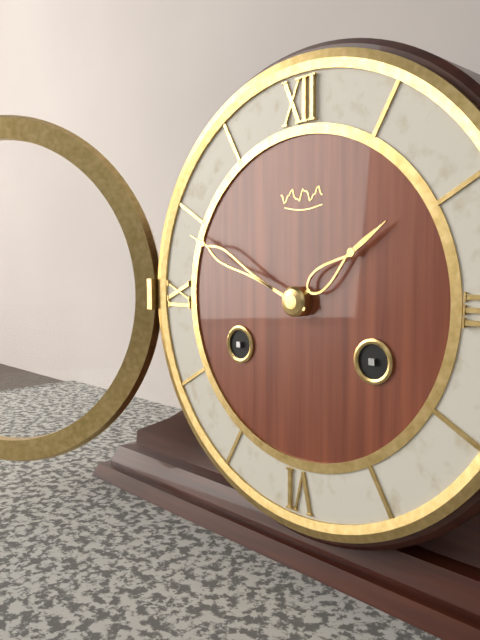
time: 1:49
